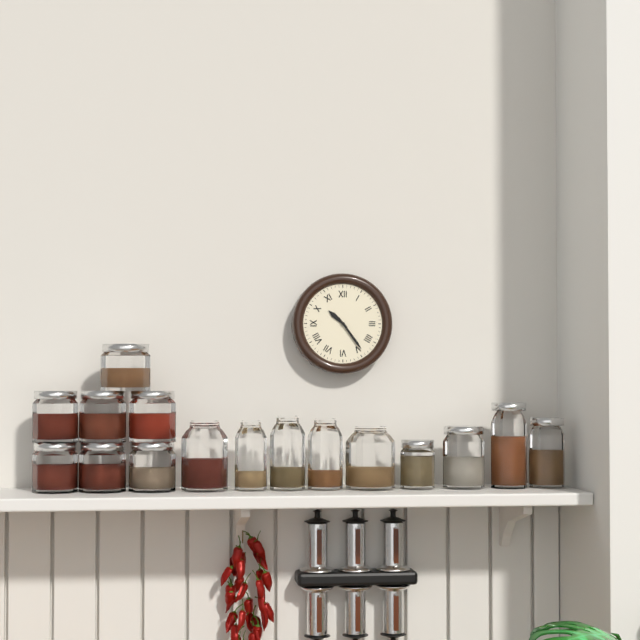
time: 10:24
